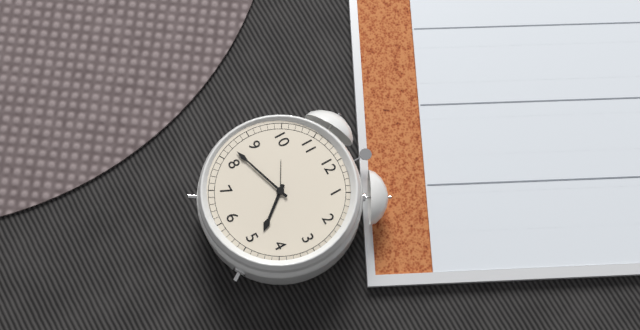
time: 4:42
